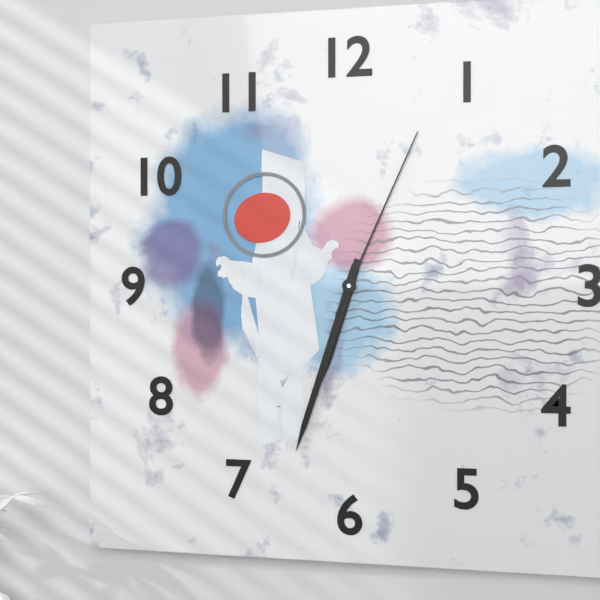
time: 6:33:04
